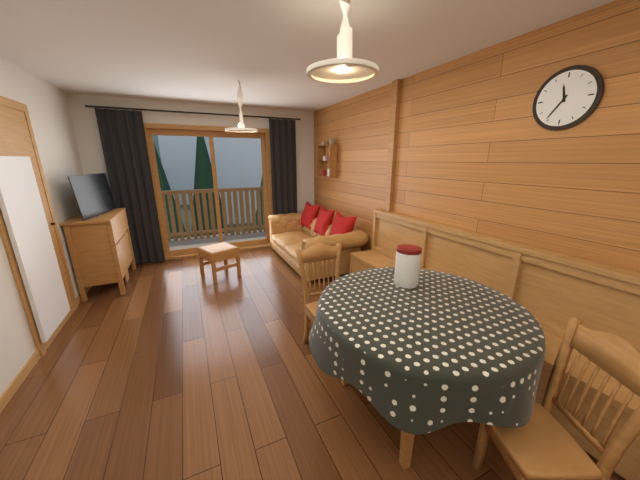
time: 11:36
